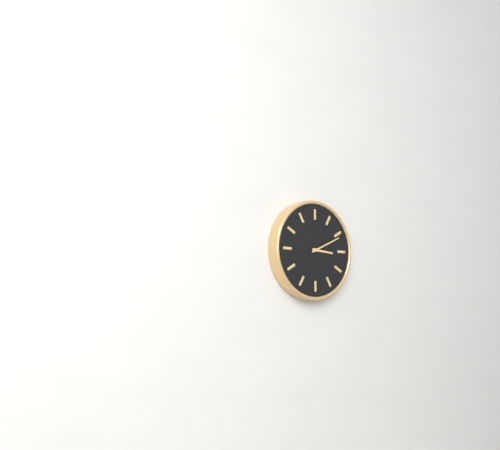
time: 3:11
